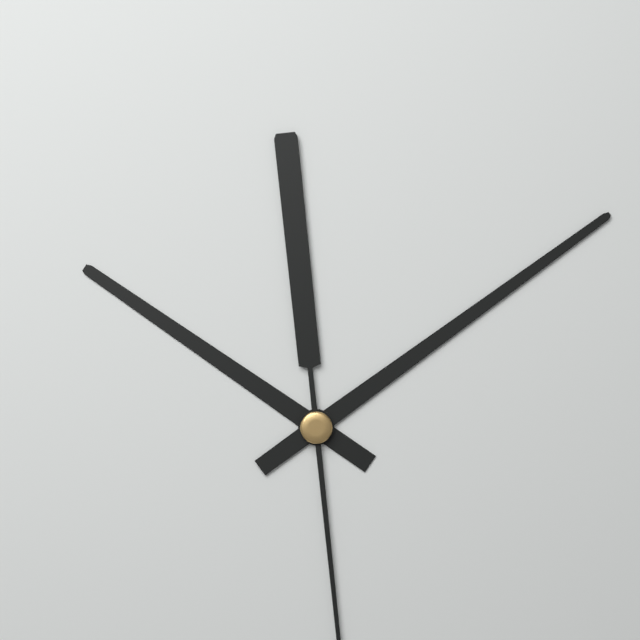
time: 10:09
